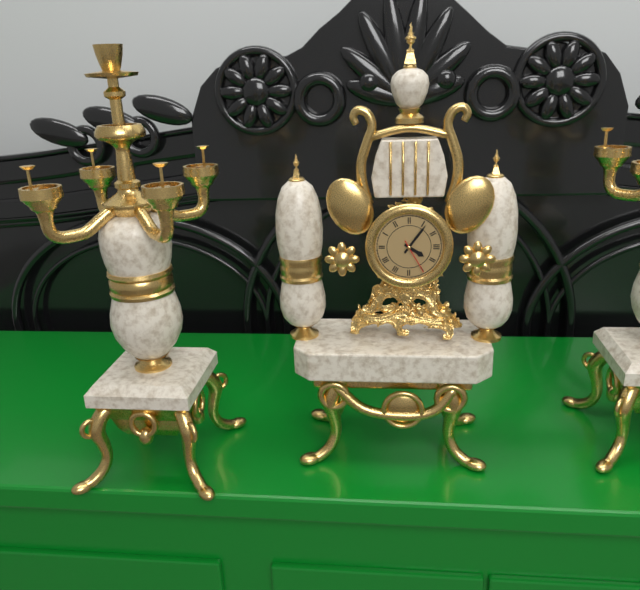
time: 4:06
